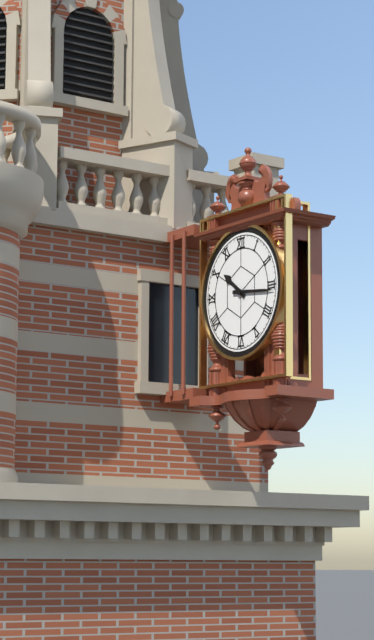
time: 10:16
